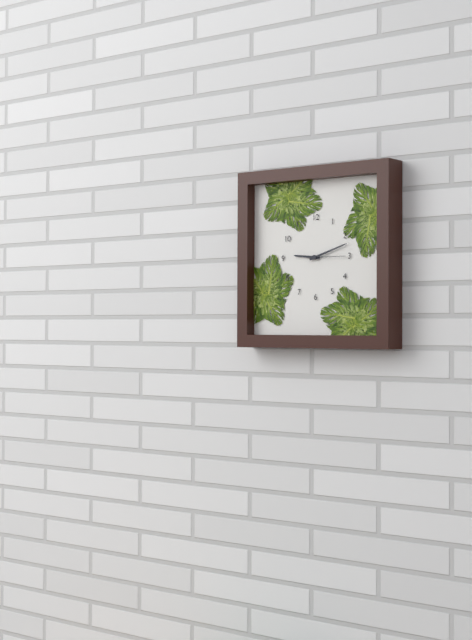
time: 9:12
